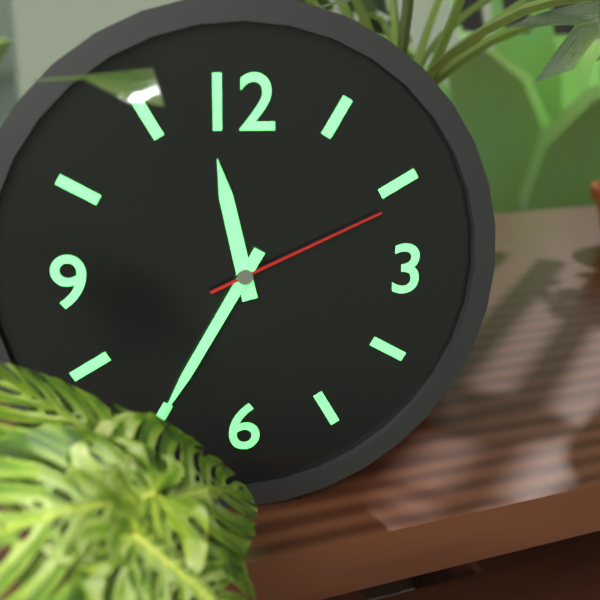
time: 11:35:11
